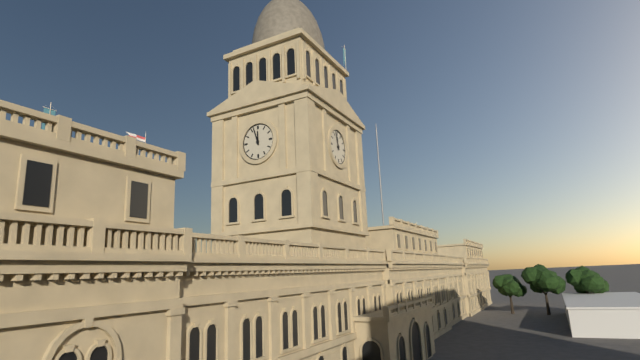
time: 11:57
